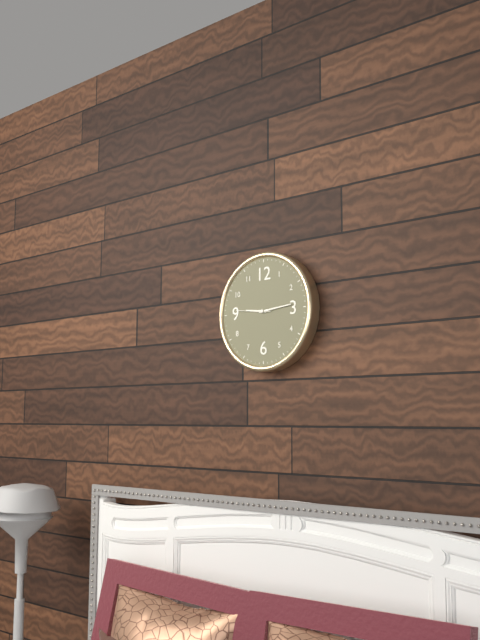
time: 9:14
